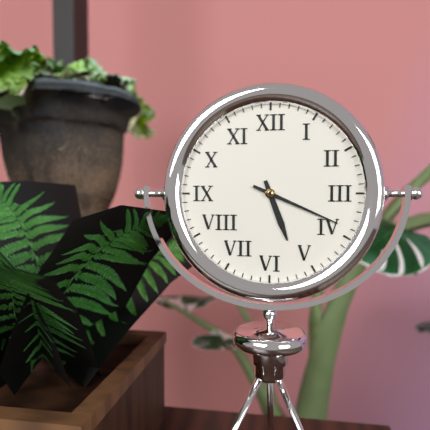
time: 5:19
